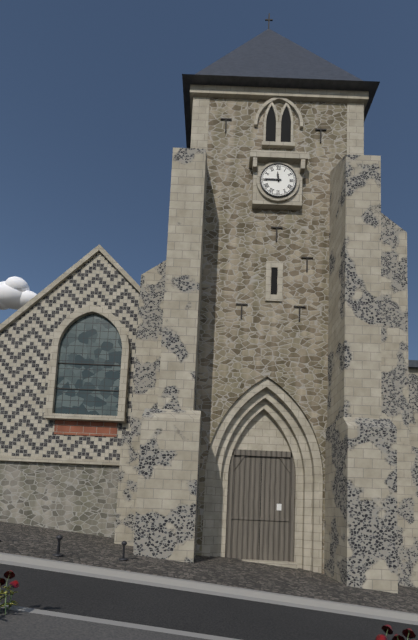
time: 11:45
